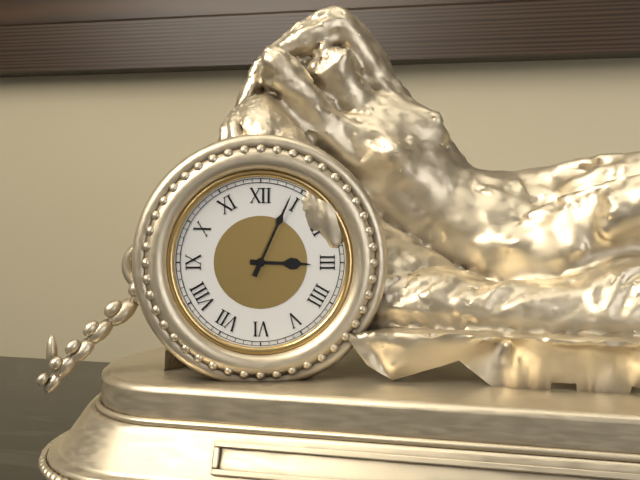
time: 3:04
